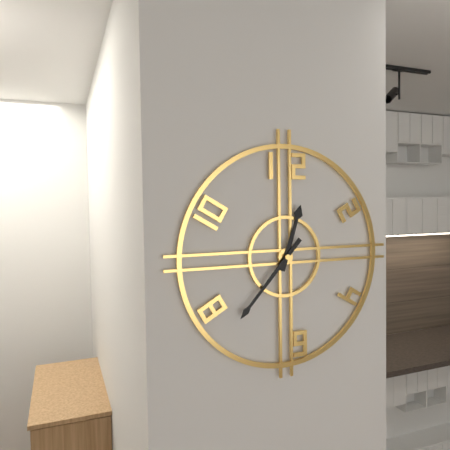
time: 12:37
